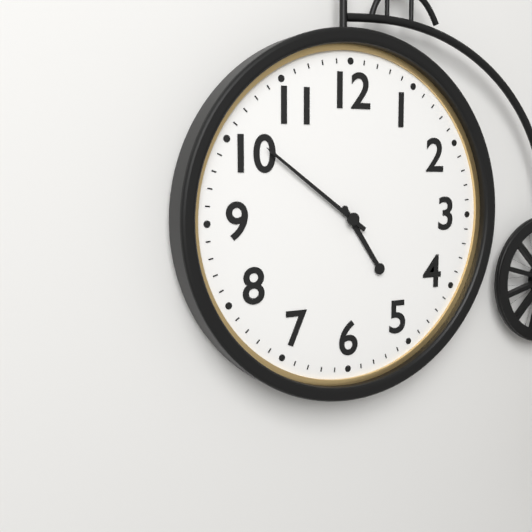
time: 4:51
